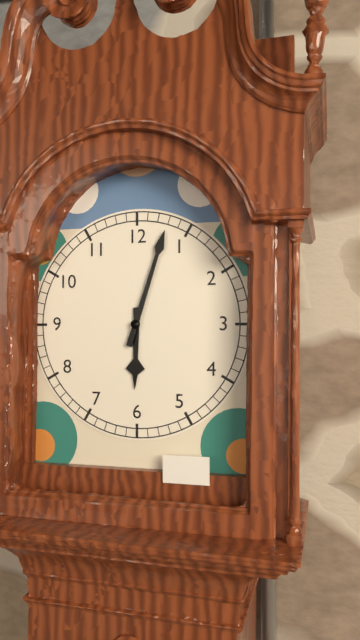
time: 6:03
